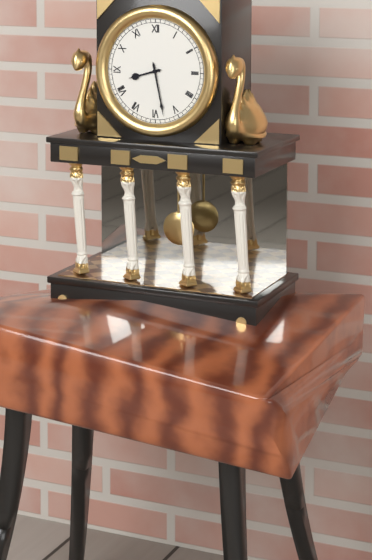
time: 8:28
